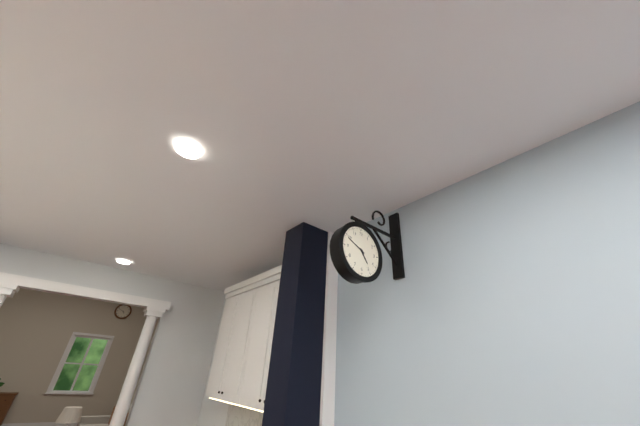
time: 4:49
